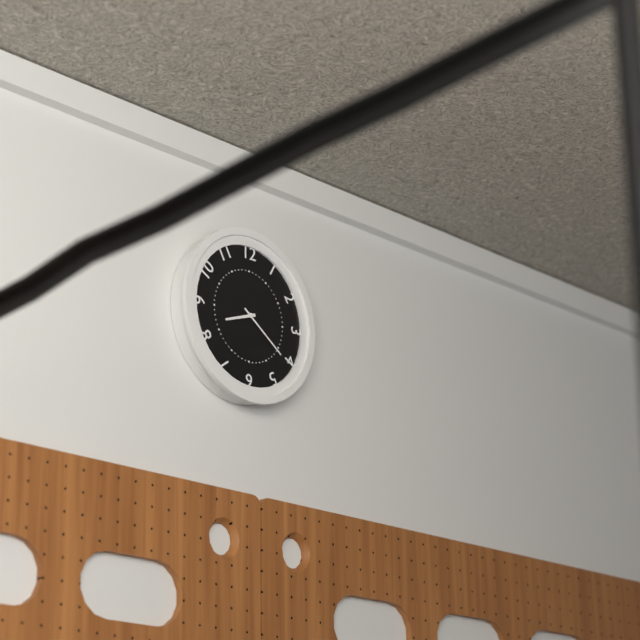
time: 8:21
